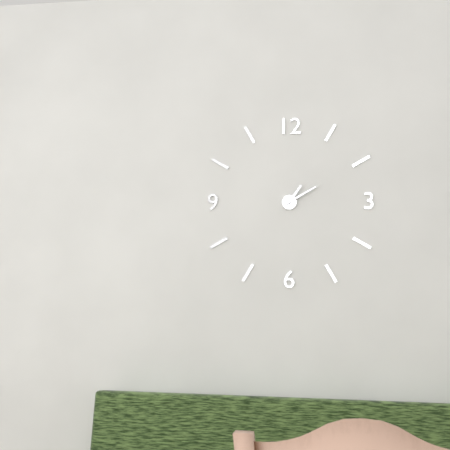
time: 1:10
